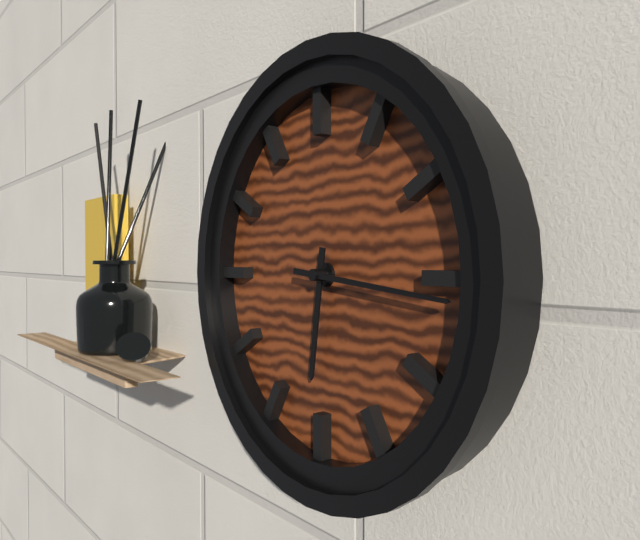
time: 6:16
